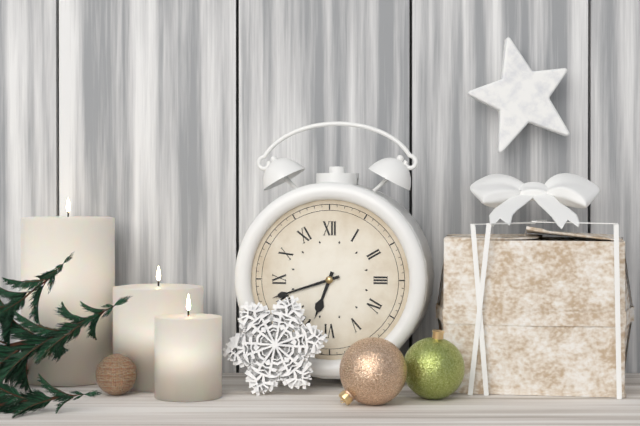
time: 6:42
